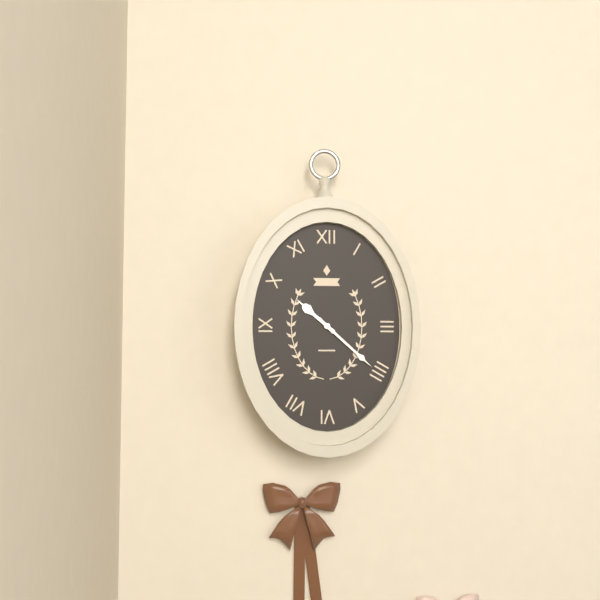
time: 10:22
